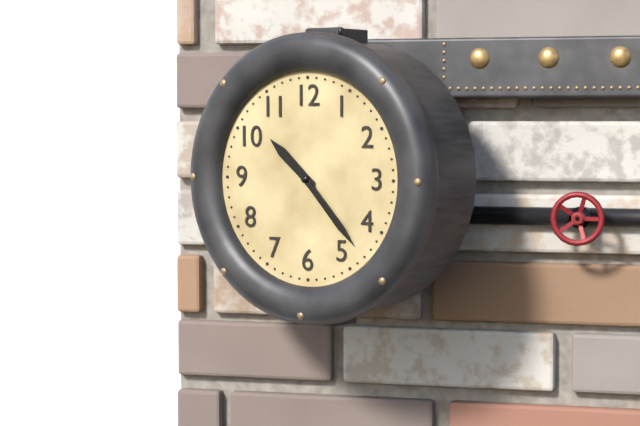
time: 10:23
